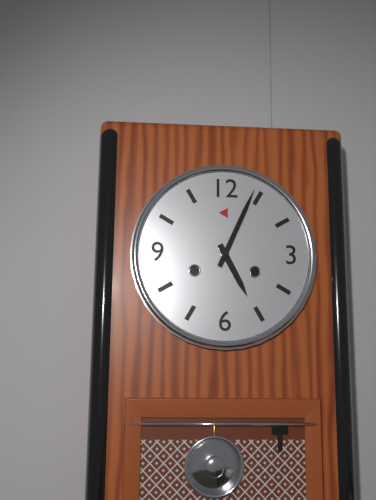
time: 5:04
